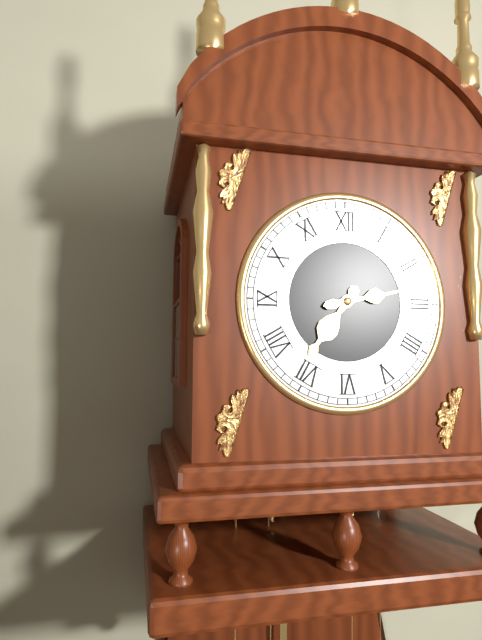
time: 7:13
